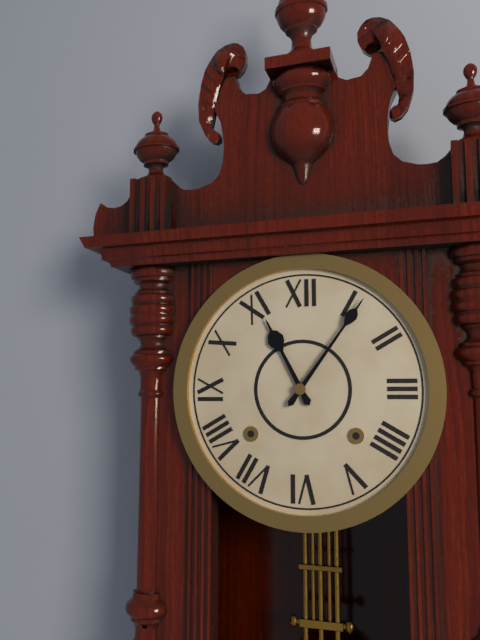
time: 11:06
